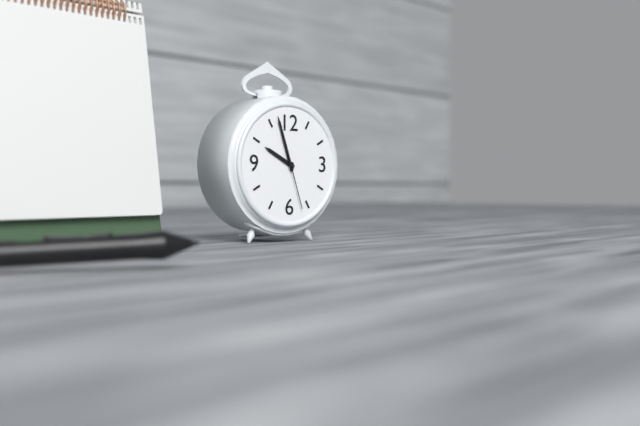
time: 9:57:27
